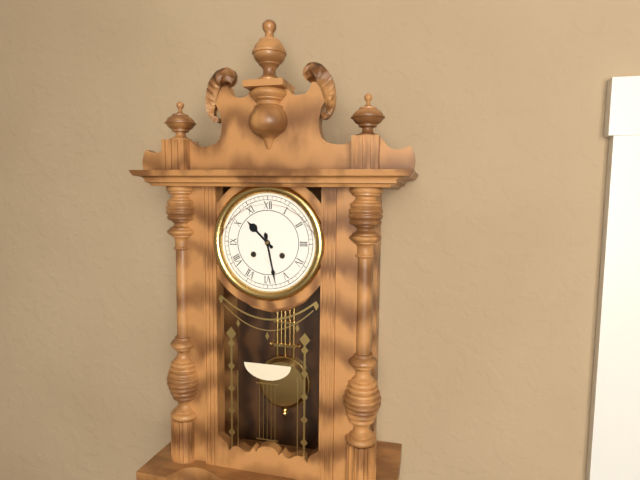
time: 10:28
